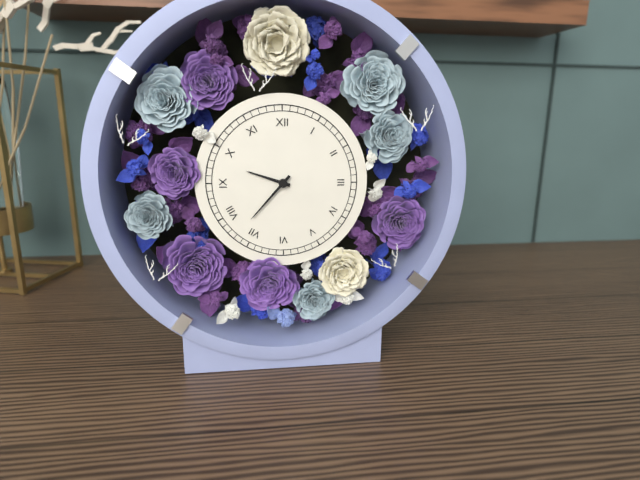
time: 9:37
